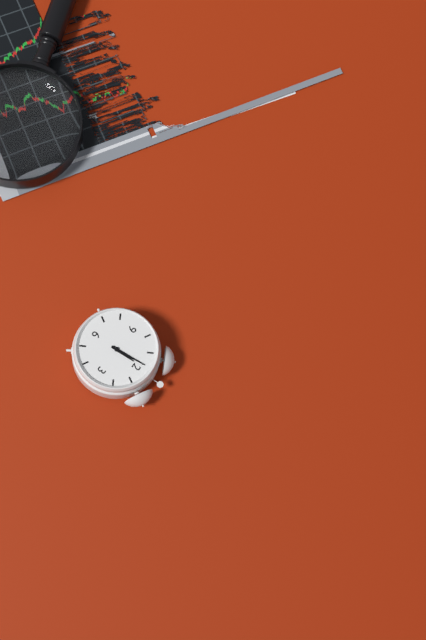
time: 11:59
